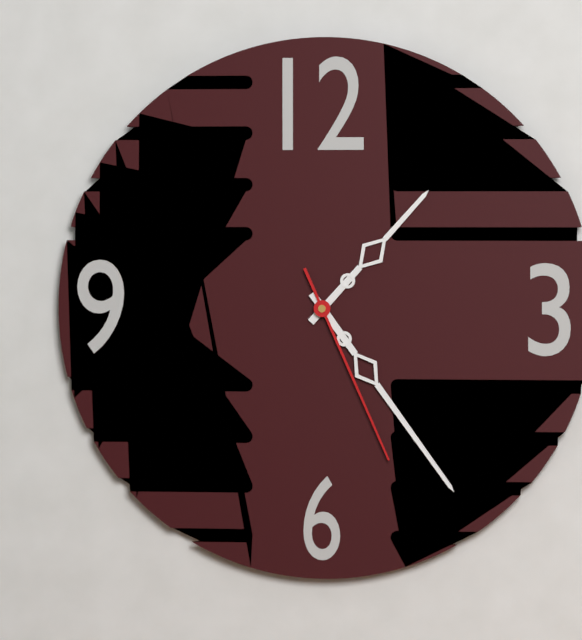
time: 1:24:26
